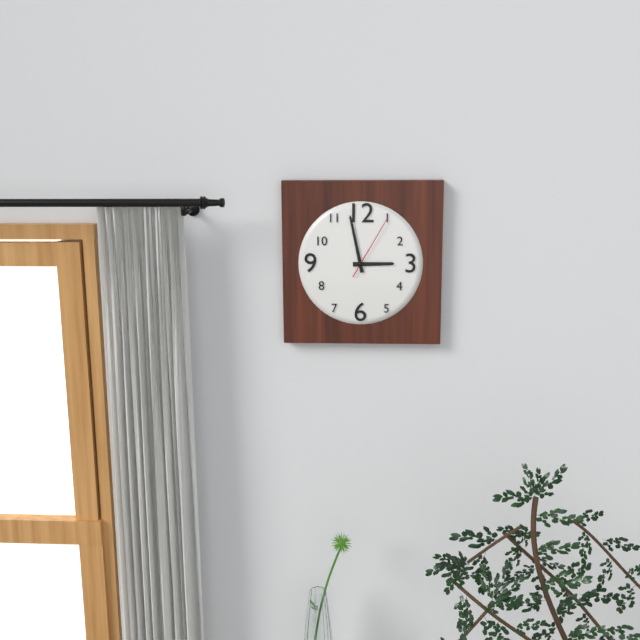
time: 2:58:05
